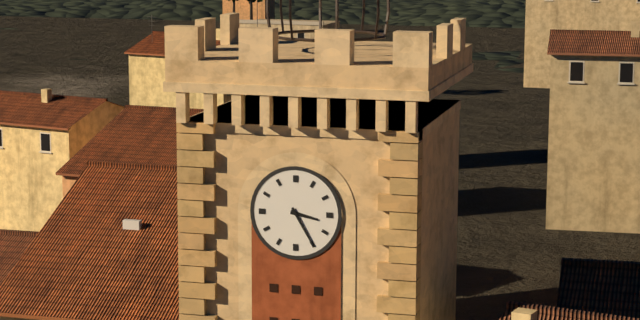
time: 3:25
